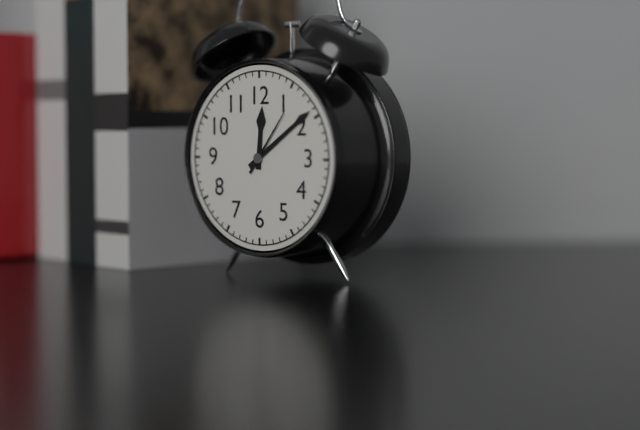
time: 12:09:06
